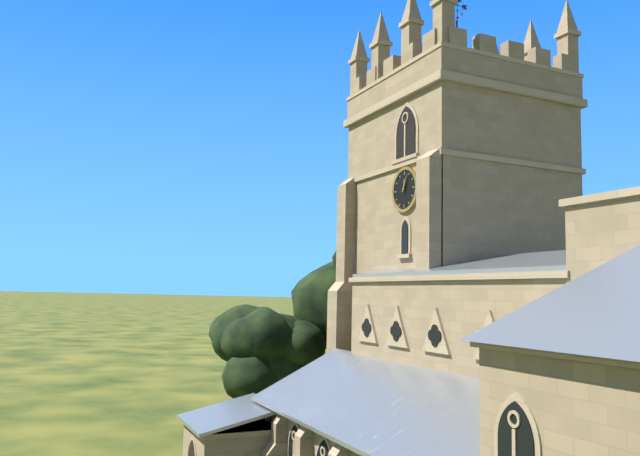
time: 12:04
